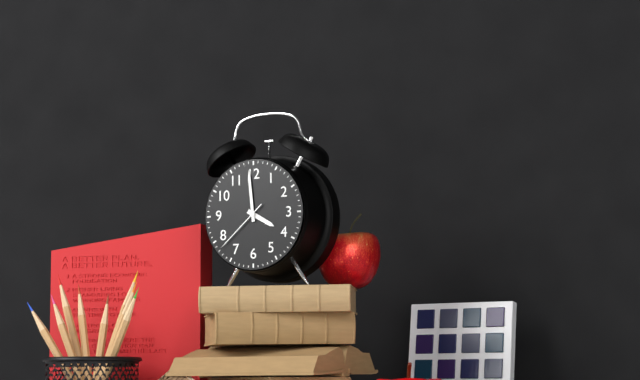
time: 3:59:38
